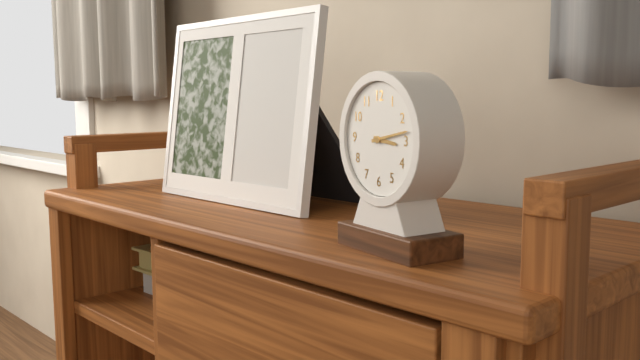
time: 3:13
